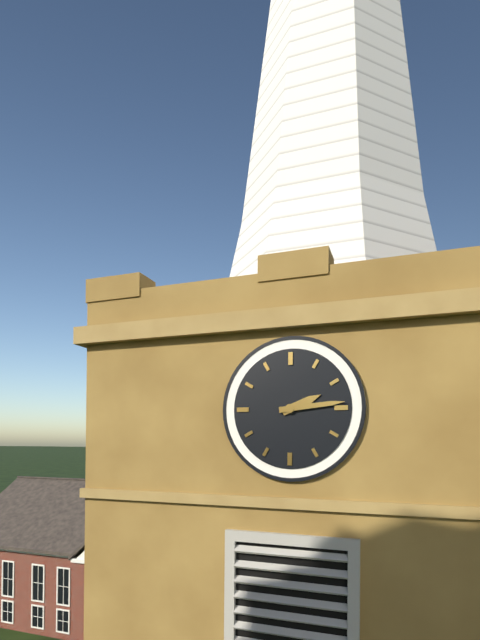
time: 2:14
